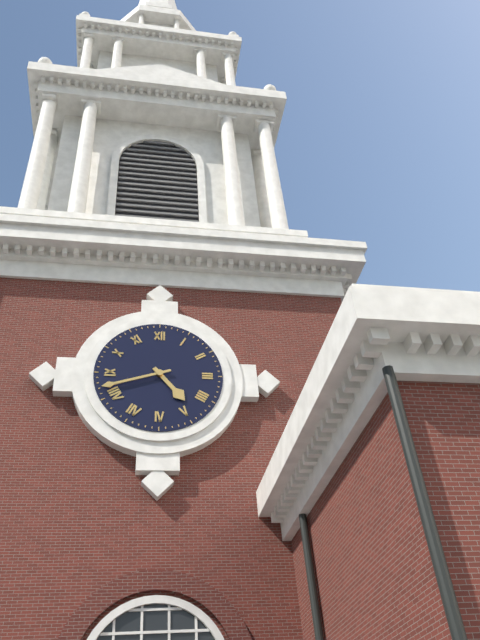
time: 4:42
